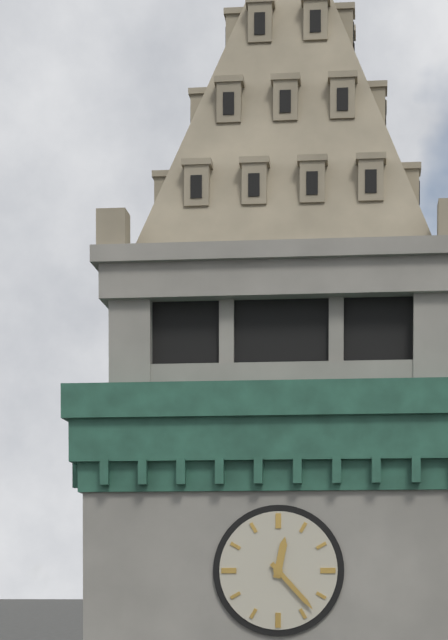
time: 12:23
